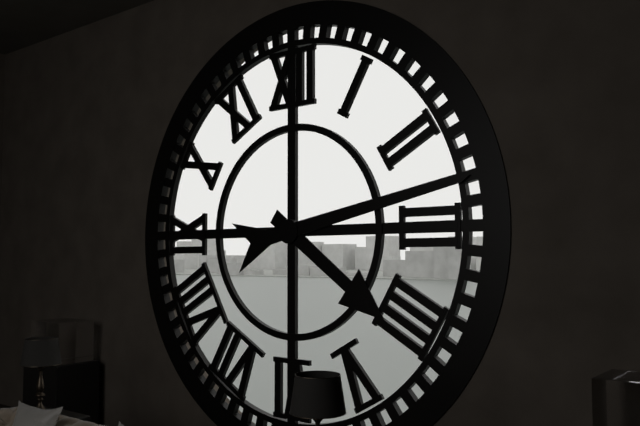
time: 4:13
